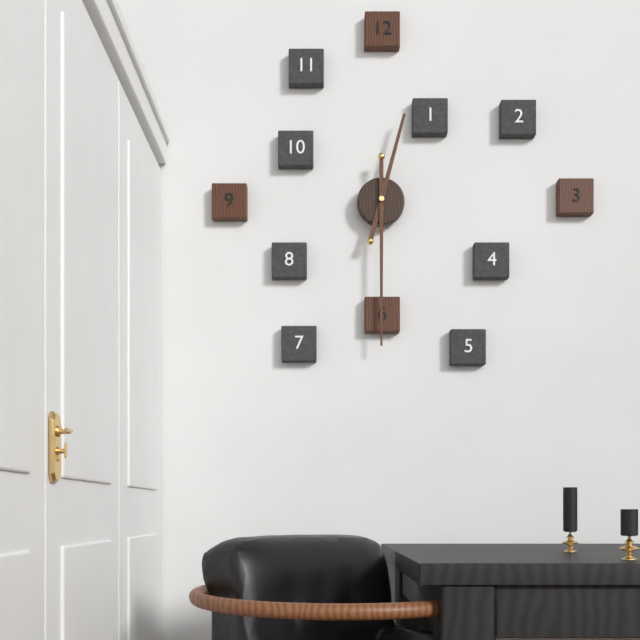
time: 12:30
